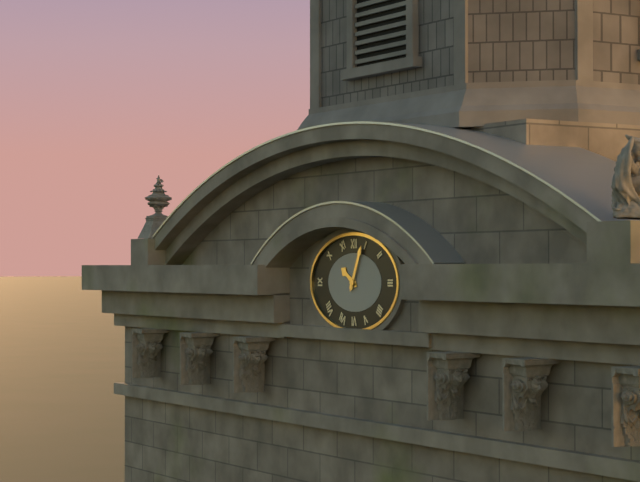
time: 10:04
